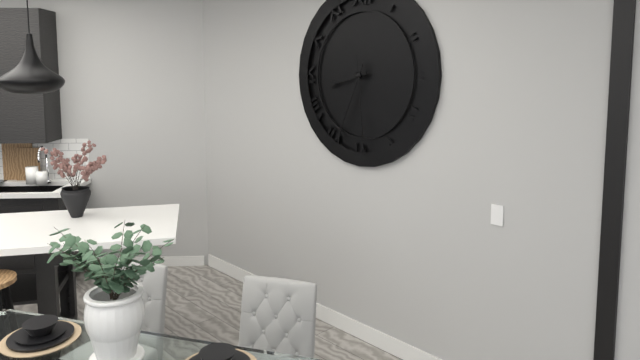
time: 8:34:29
